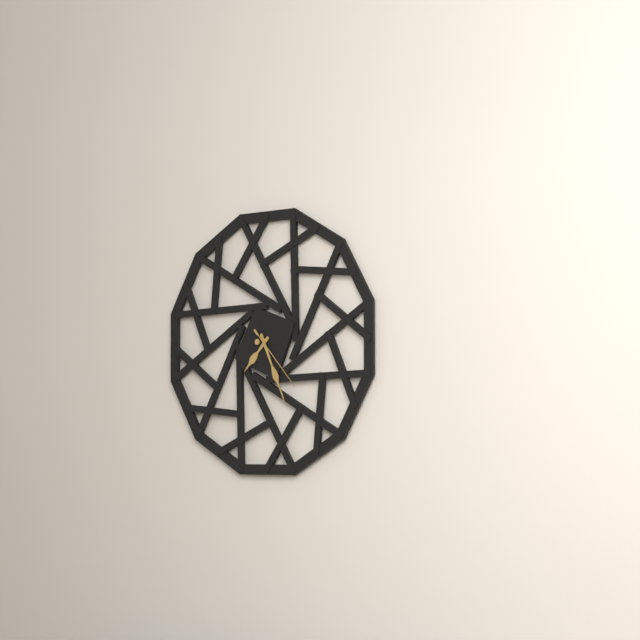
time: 7:26:23
